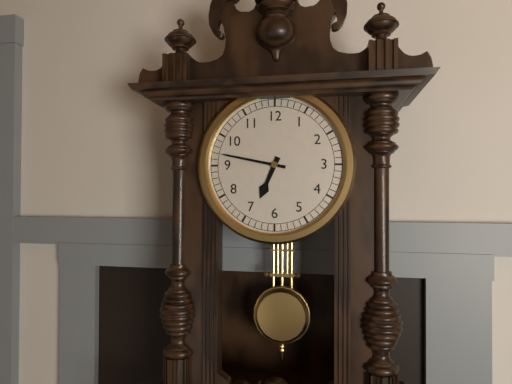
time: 6:47
